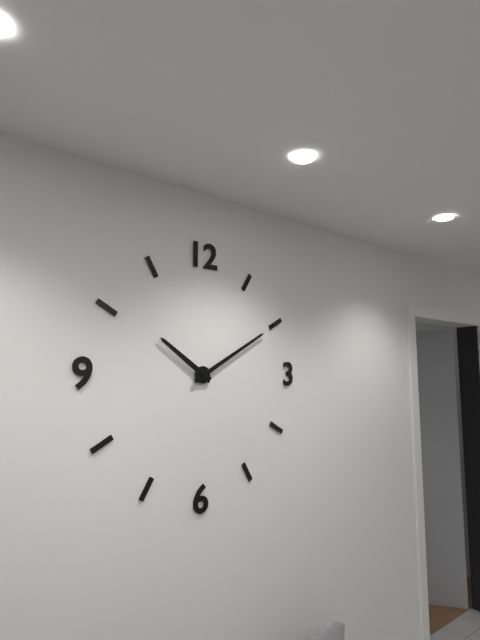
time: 10:10
